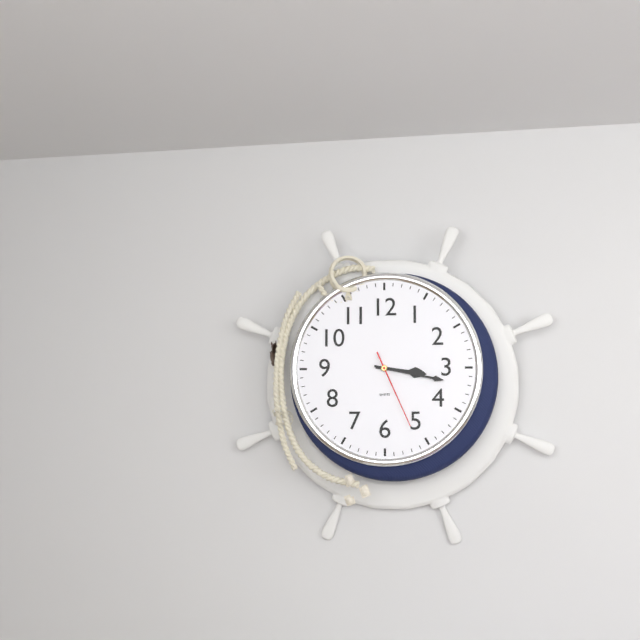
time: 3:17:26
